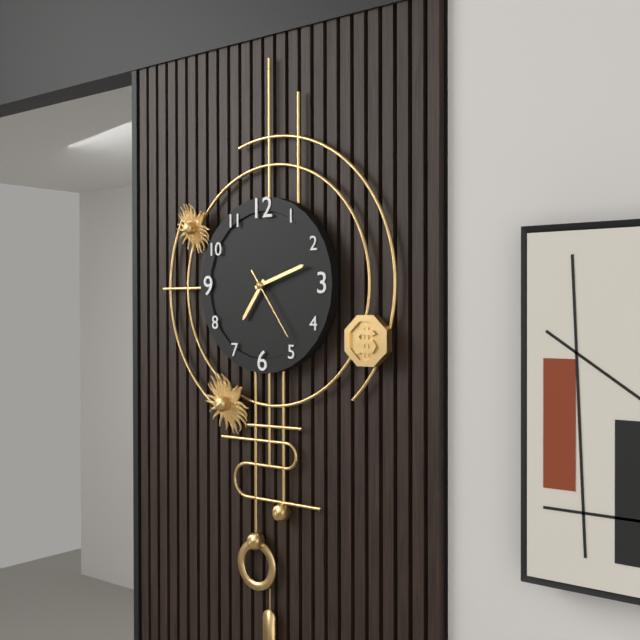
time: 7:12:24
